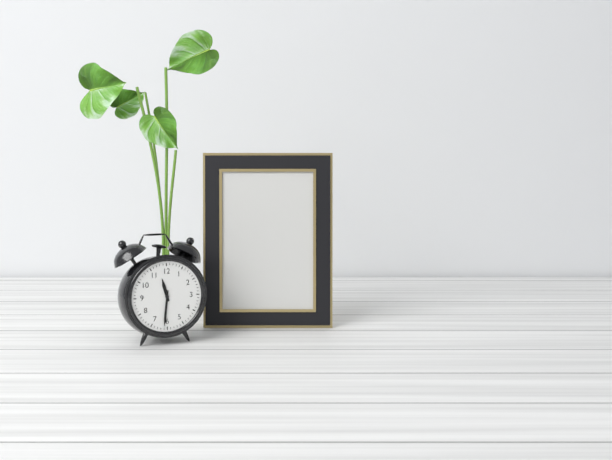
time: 11:31
